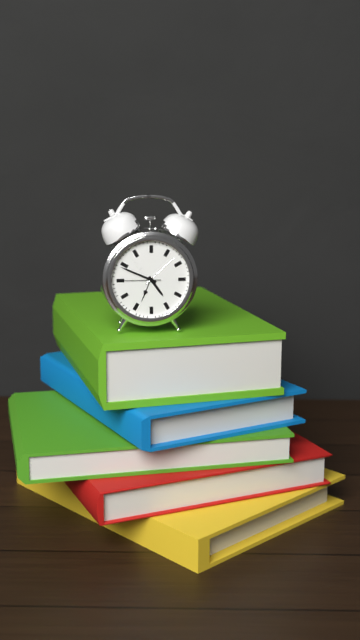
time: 4:49
